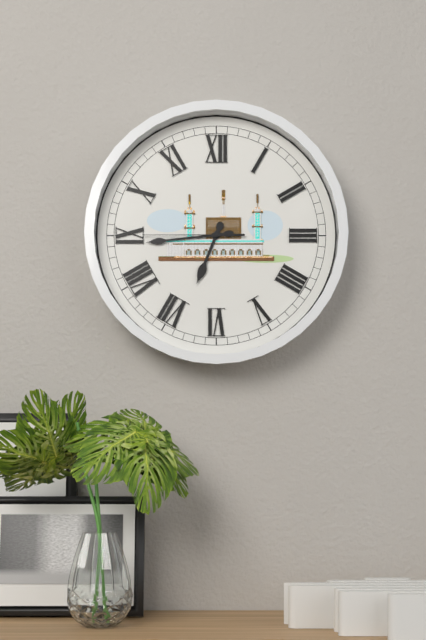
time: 6:44:45
